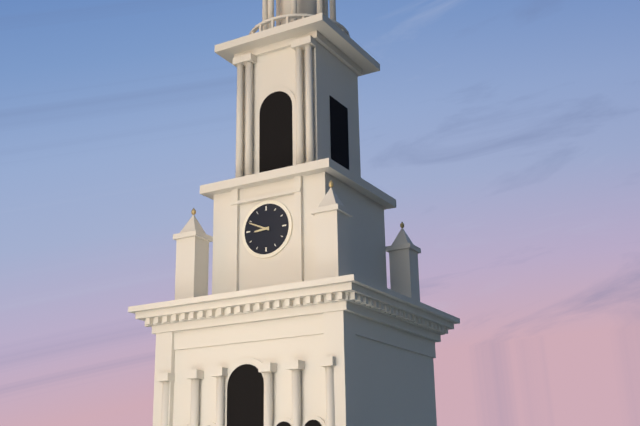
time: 8:49
